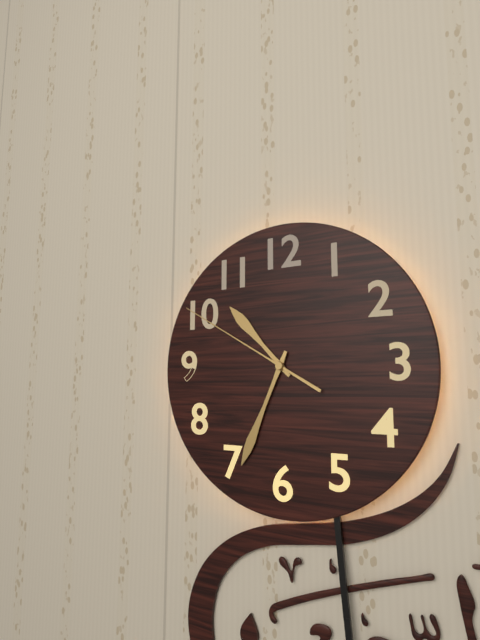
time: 10:34:50
